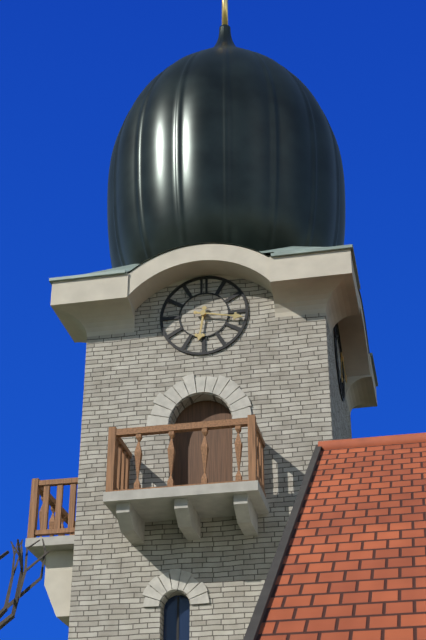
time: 6:17
